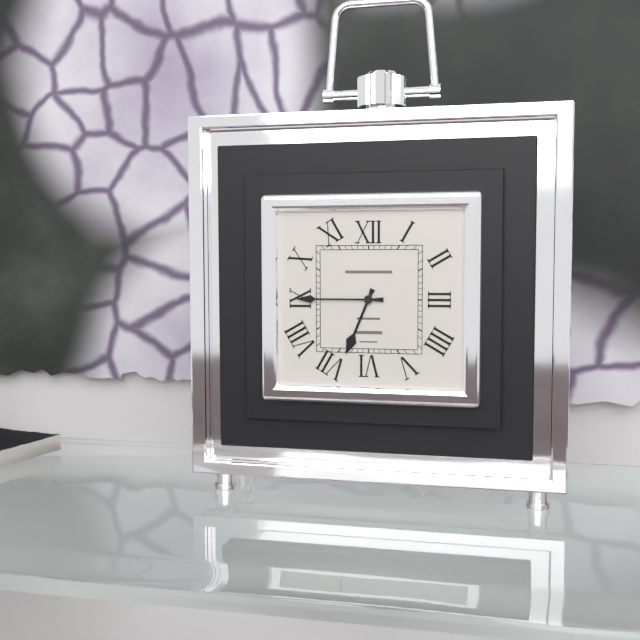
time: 6:45
